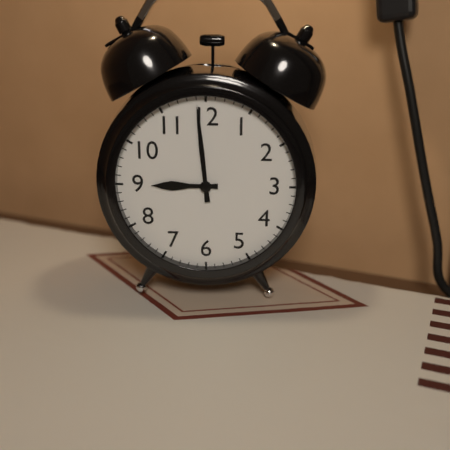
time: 8:59
